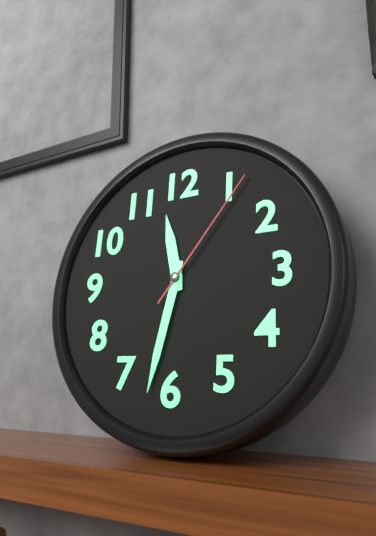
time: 11:32:06
